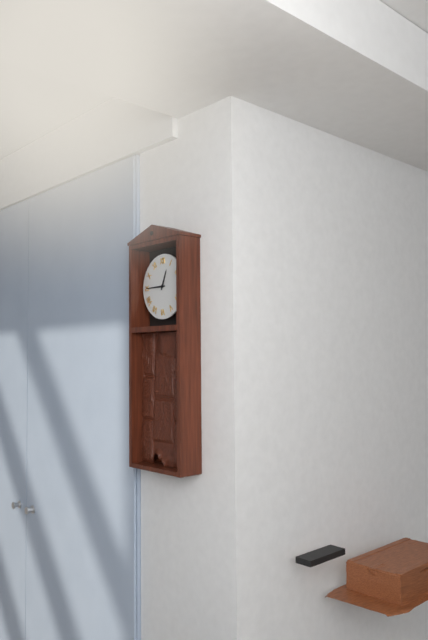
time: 12:45
